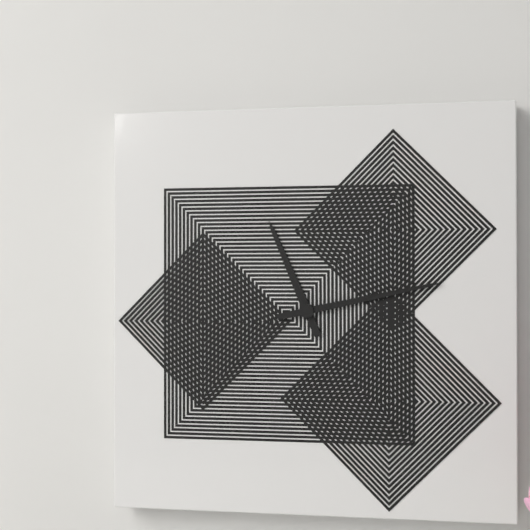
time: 11:13
